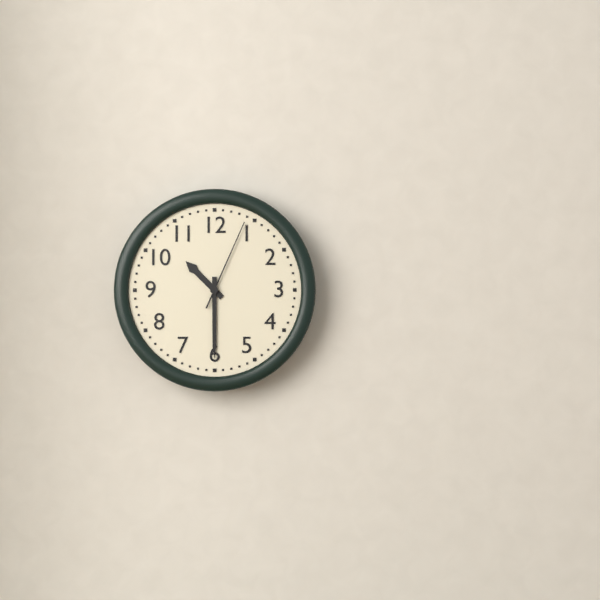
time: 10:30:04
